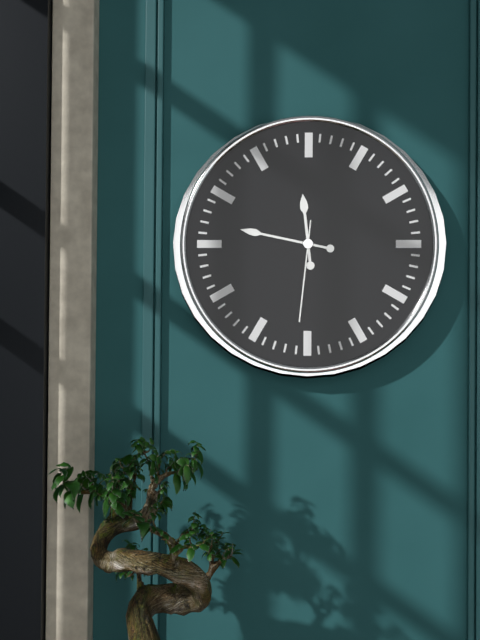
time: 11:47:31
